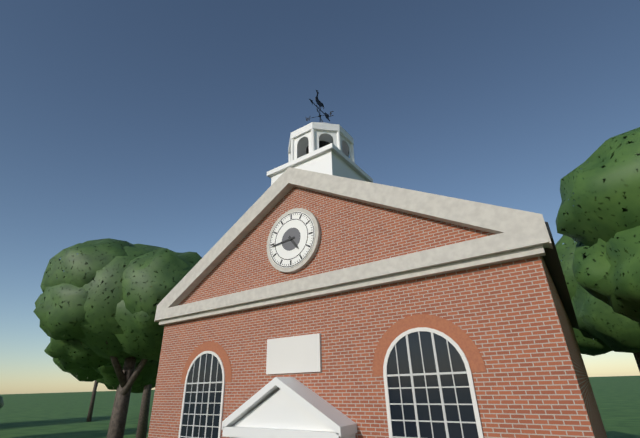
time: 4:44
